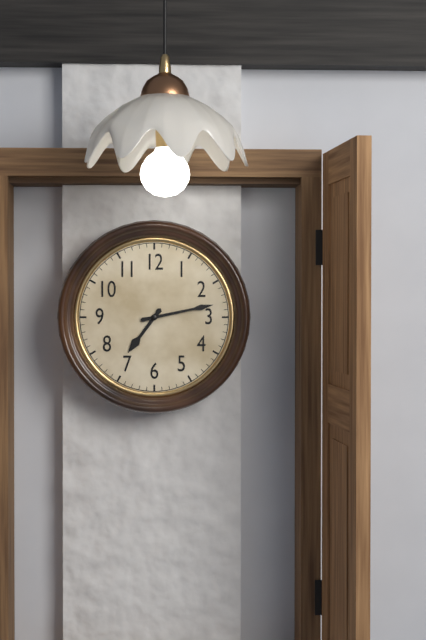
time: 7:13
